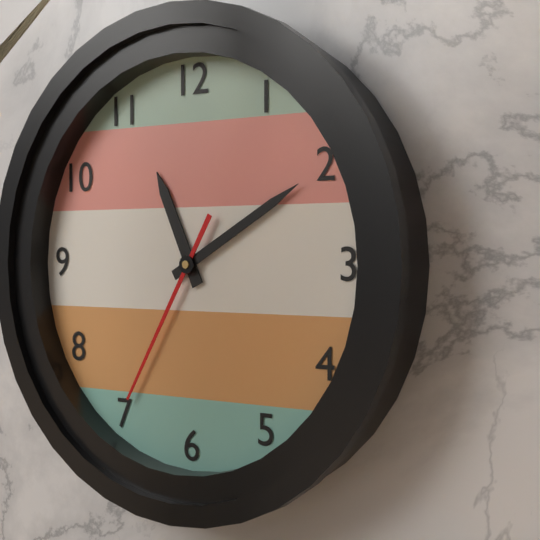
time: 11:10:35
